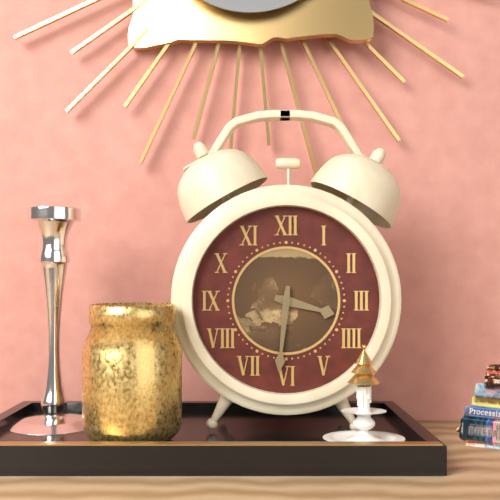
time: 3:31
